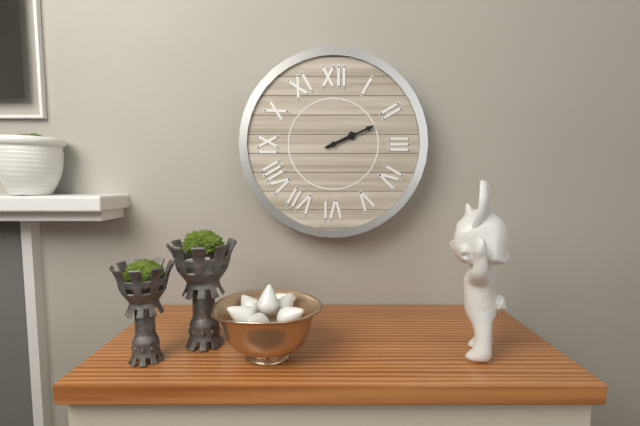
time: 2:11
